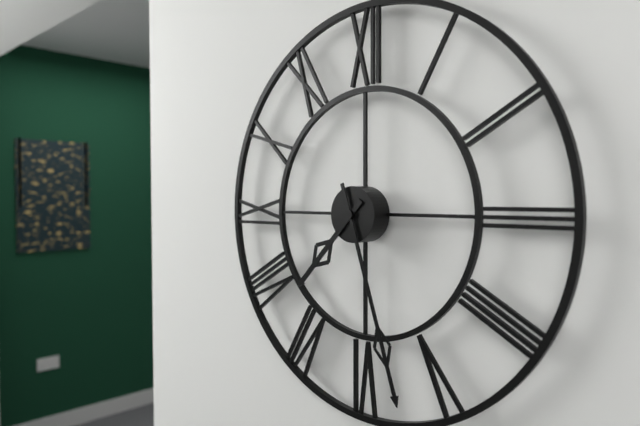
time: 7:27
